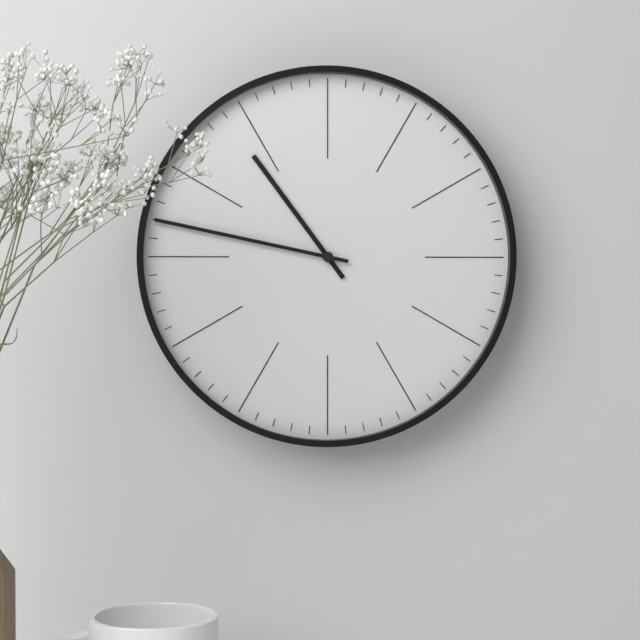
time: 10:47
